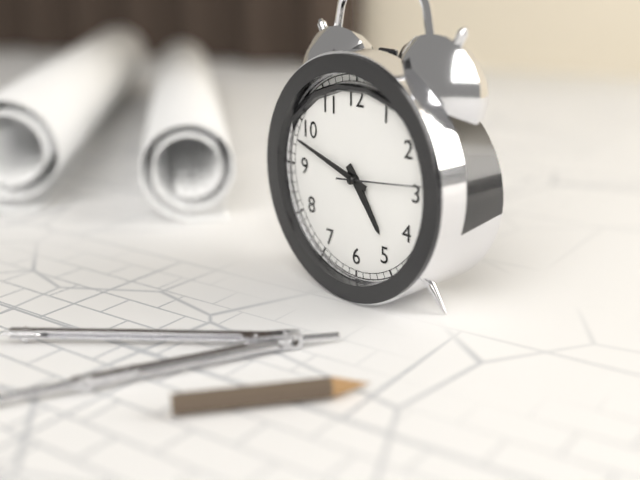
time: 4:48:14
